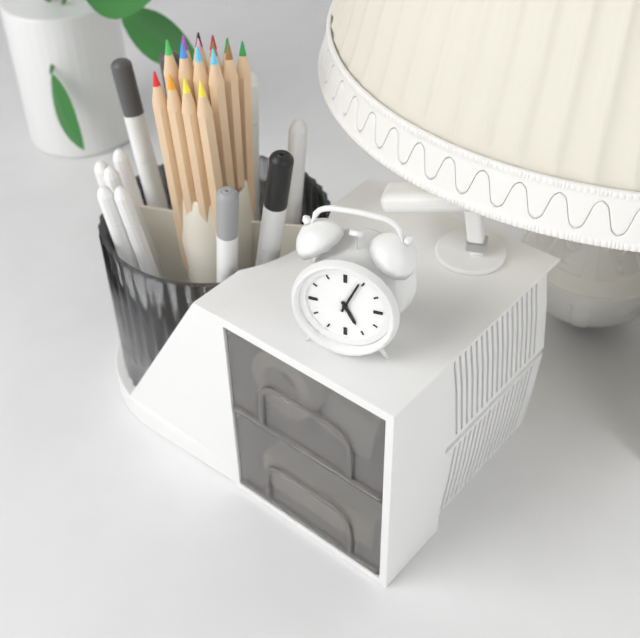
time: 5:04
